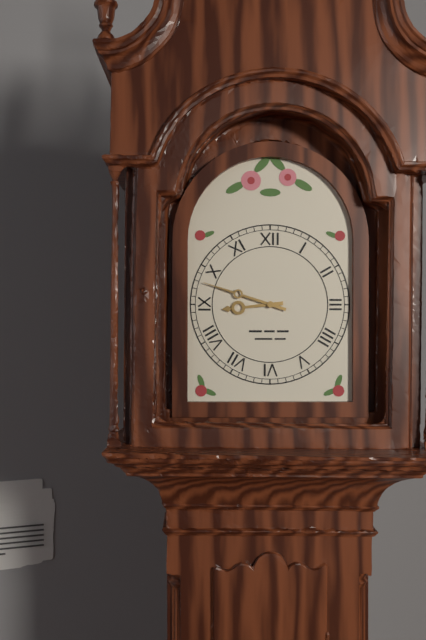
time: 8:48
